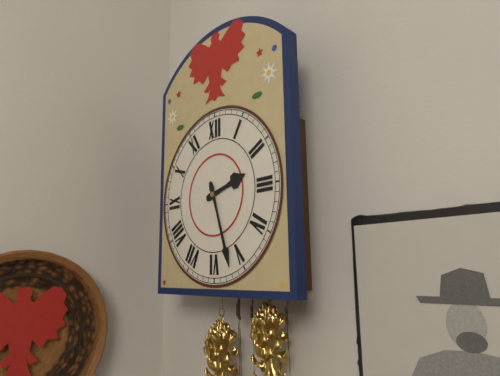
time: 2:27
